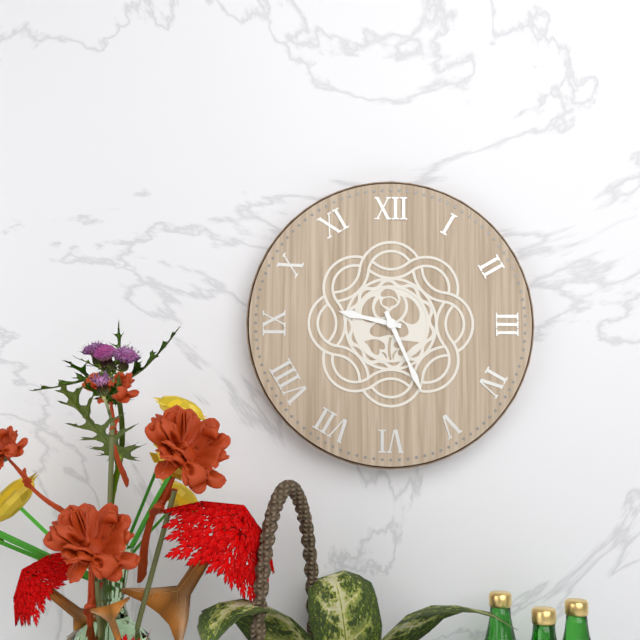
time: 9:26
